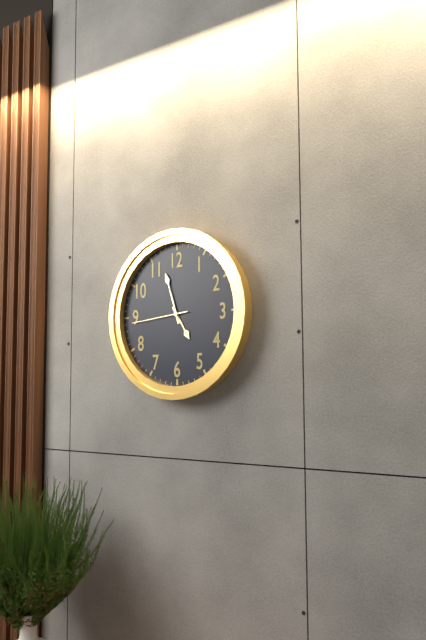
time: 4:57:44
